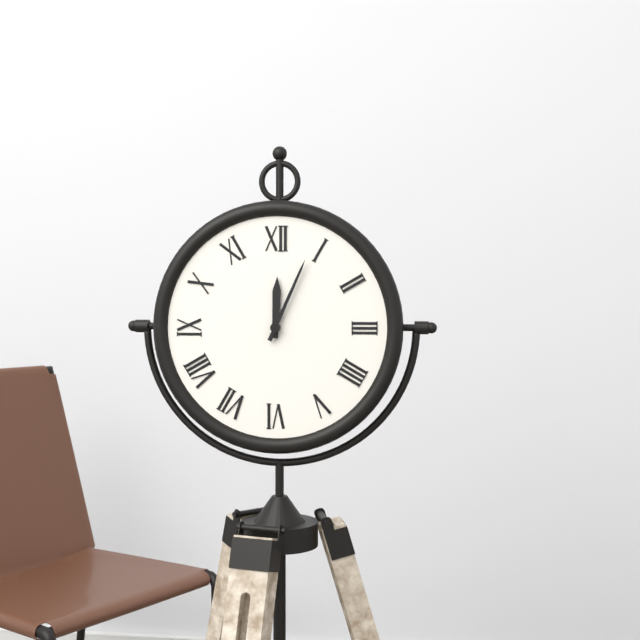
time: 12:04
